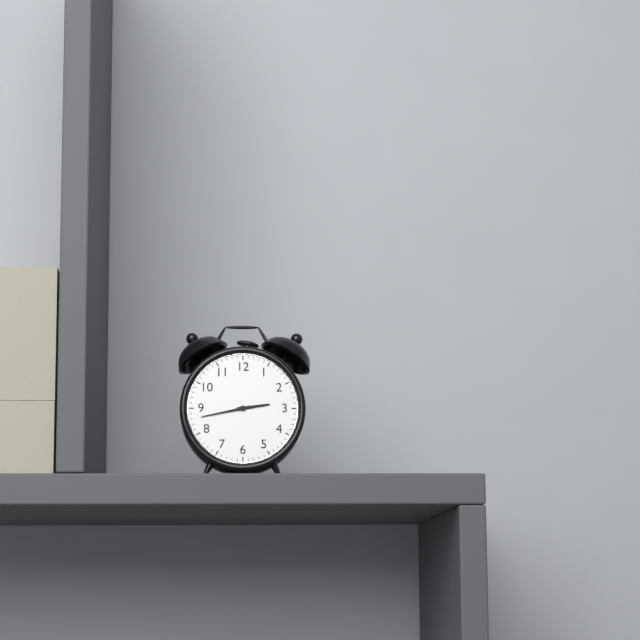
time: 2:43
